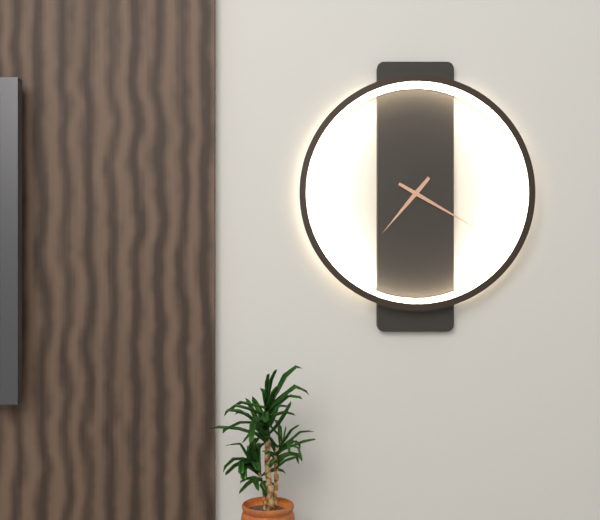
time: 7:20
